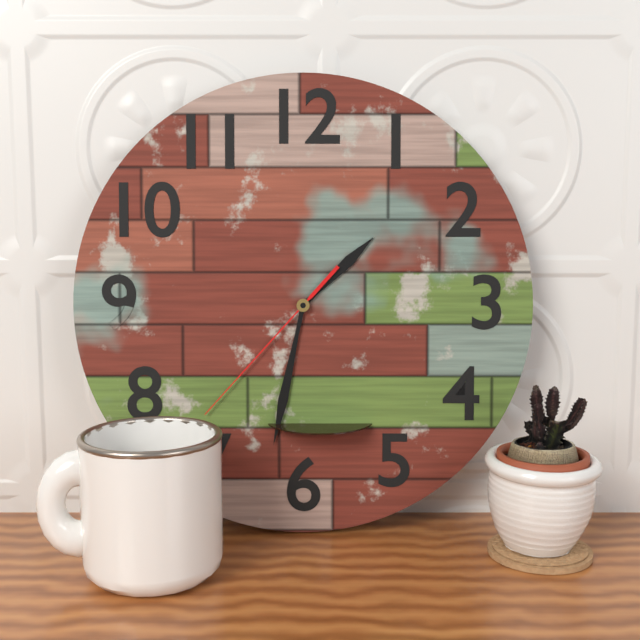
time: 1:32:37
